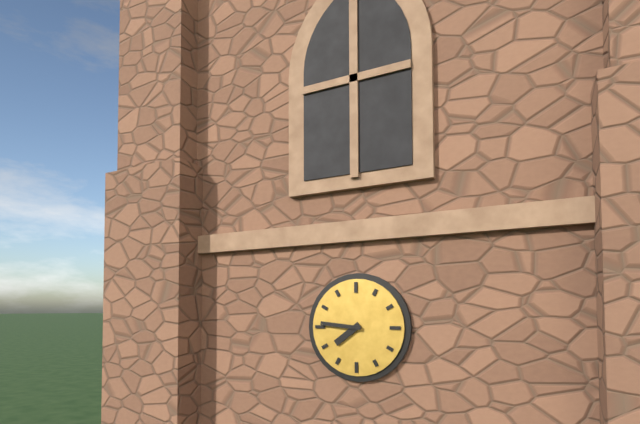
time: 7:46
